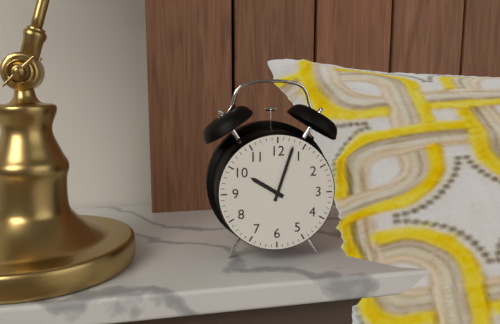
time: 10:03
